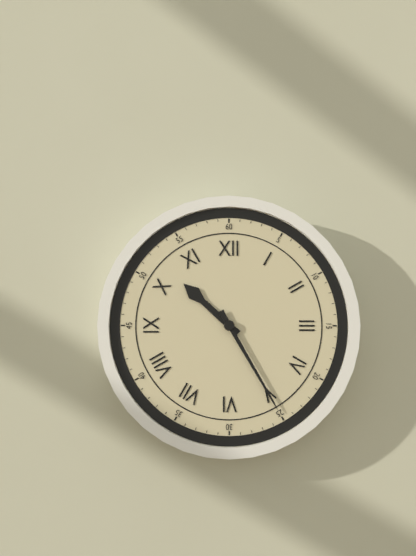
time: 10:25
